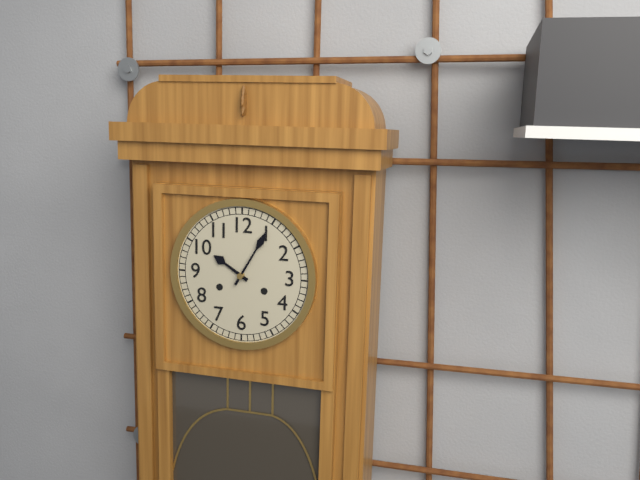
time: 10:05
